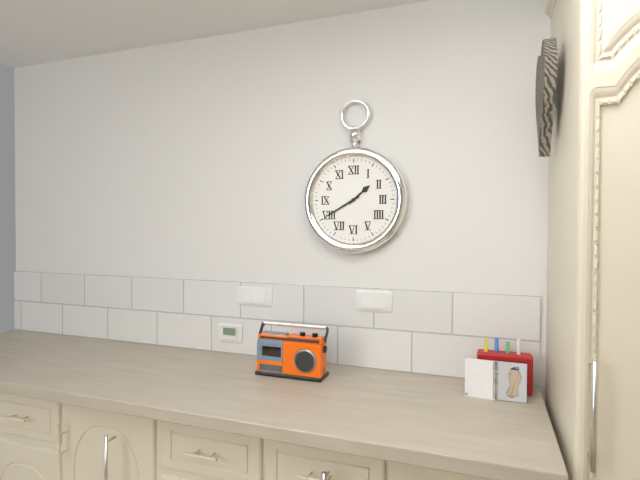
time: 1:40
